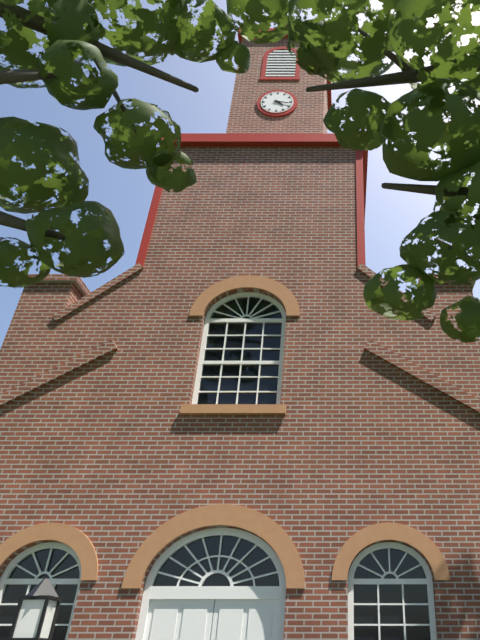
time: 4:17
